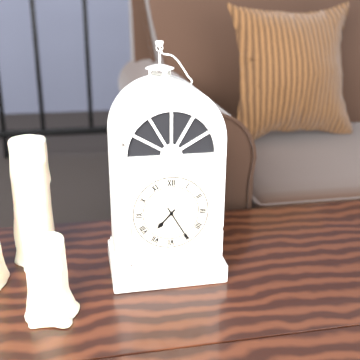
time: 7:25
